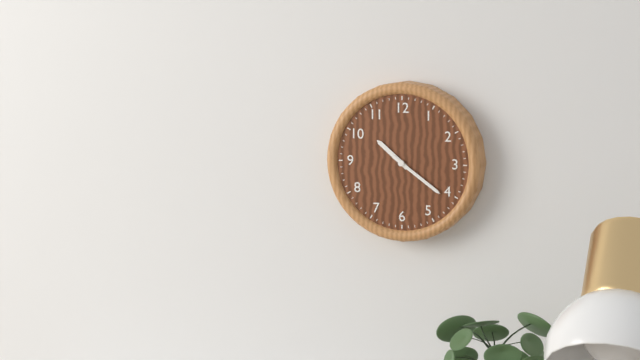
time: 10:21
